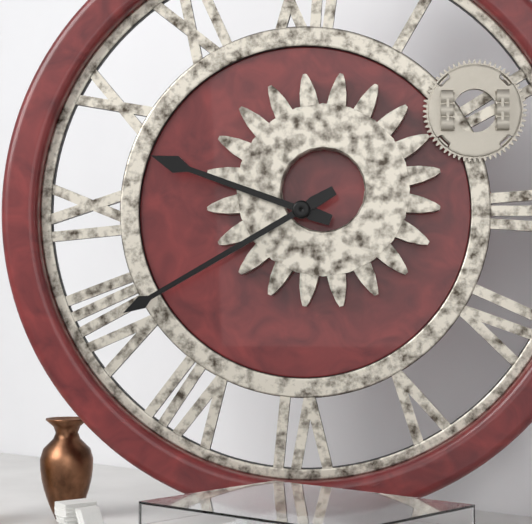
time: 9:40
